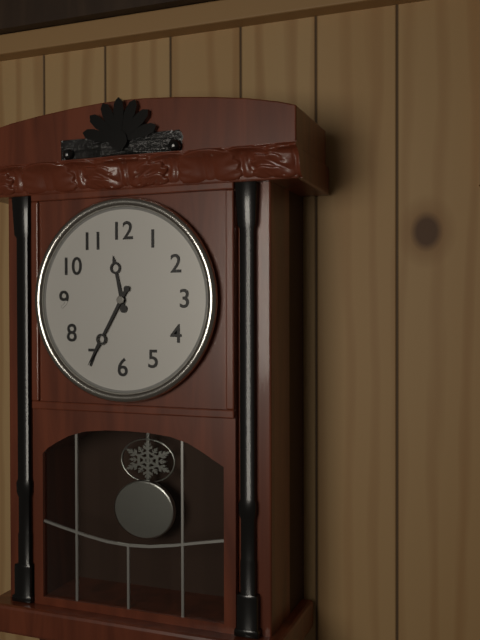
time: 11:35
